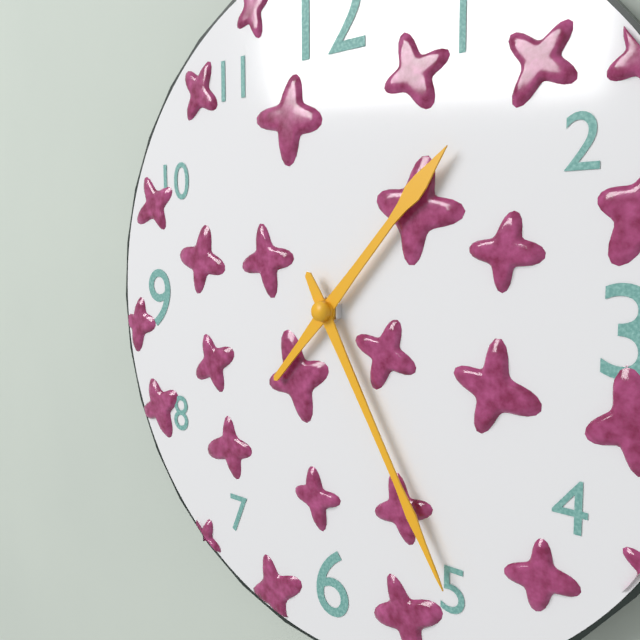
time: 1:25
